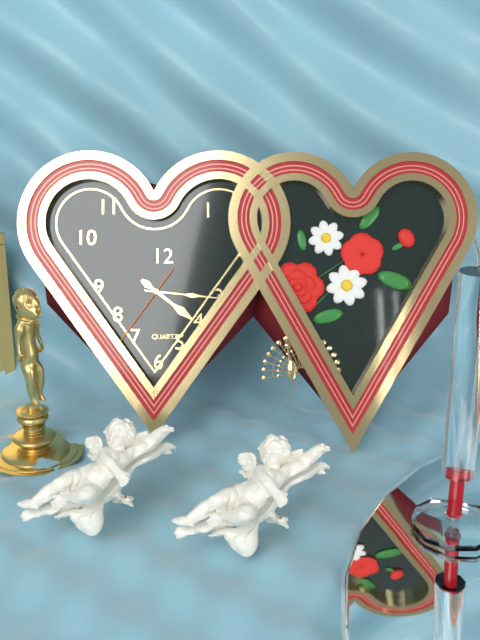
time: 4:16:36
